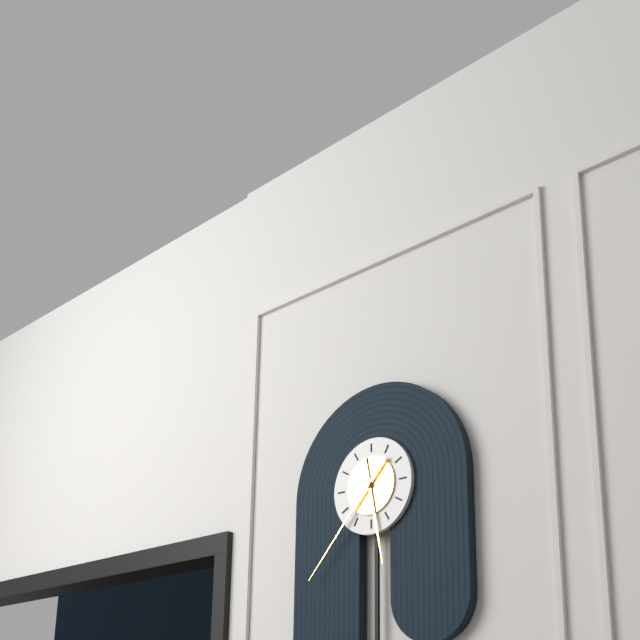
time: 5:37
